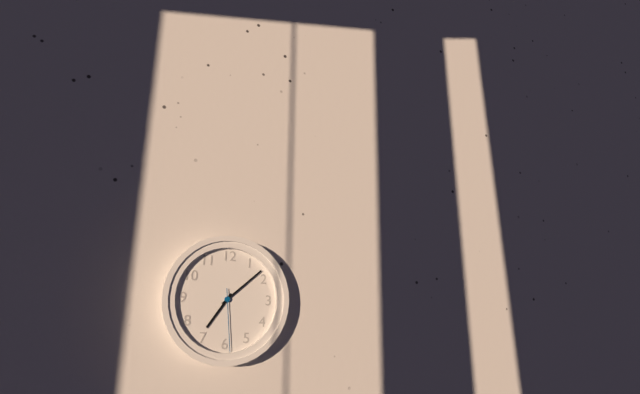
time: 7:08:29
